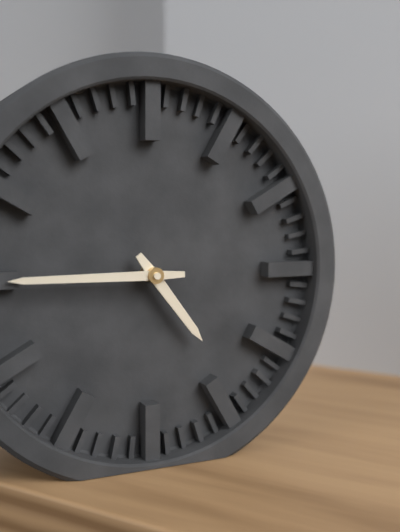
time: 4:45
